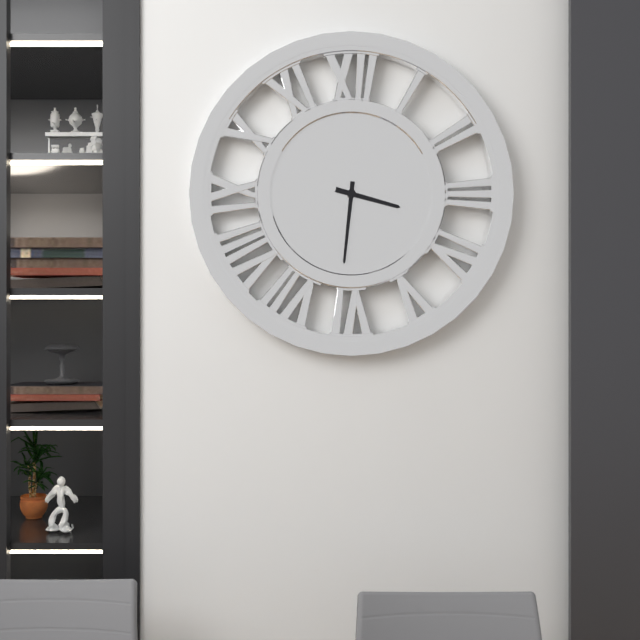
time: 3:31
